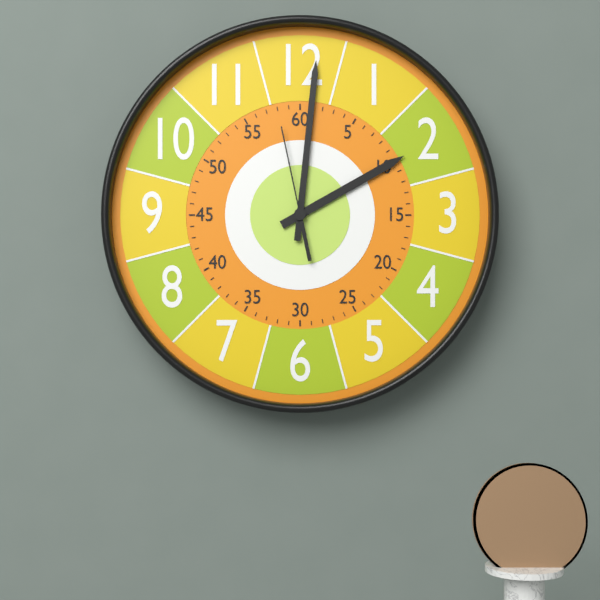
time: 2:01:58
